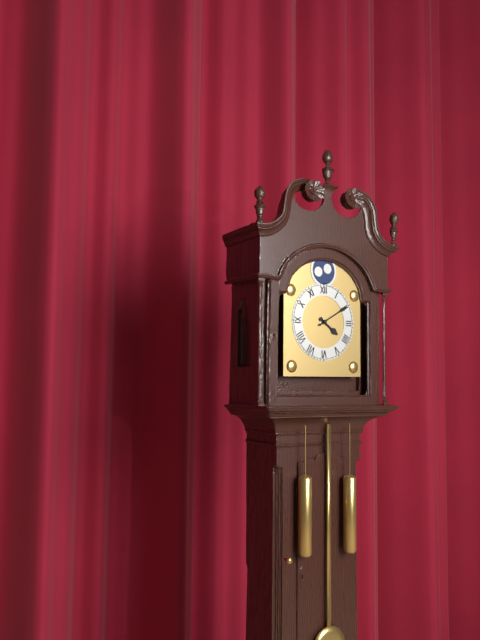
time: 4:10
